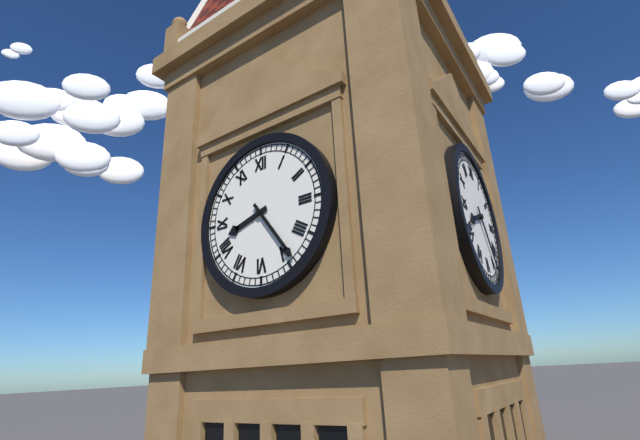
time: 8:24
